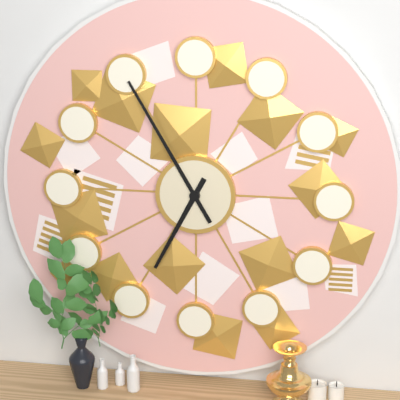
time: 6:55
